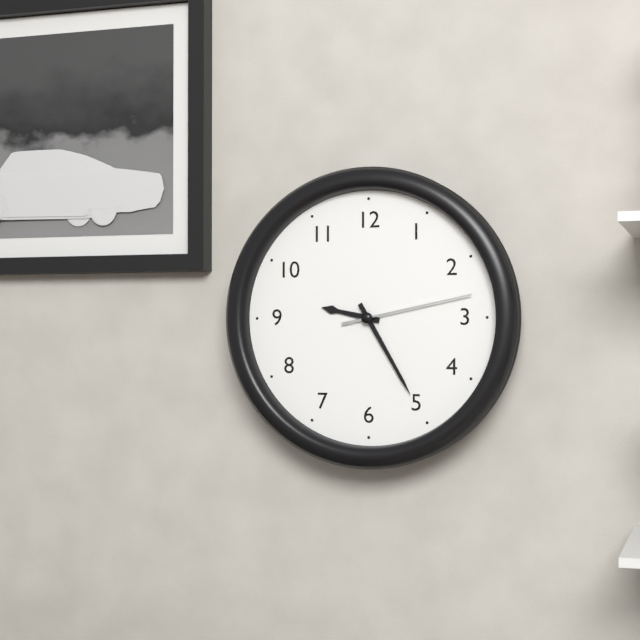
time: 9:25:13
